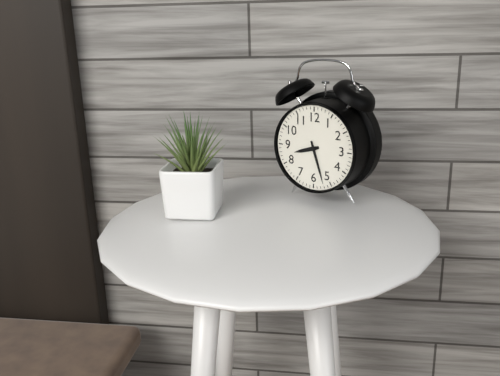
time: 8:27
